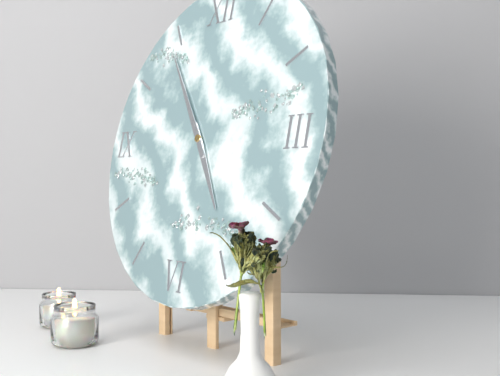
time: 4:54
